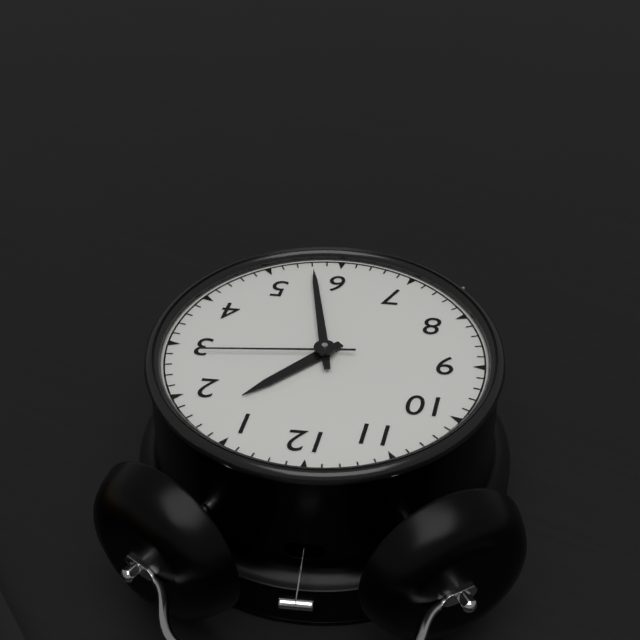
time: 1:28:14
